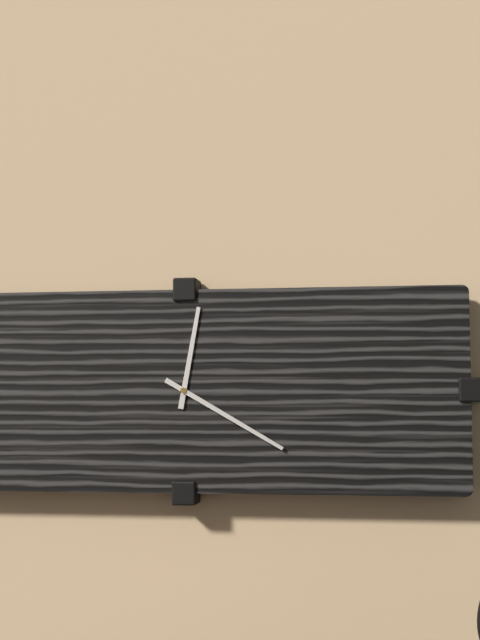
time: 12:20
